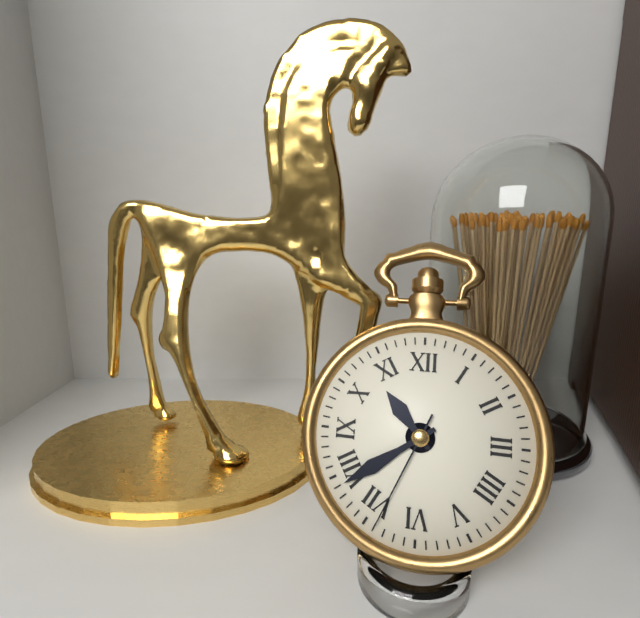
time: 10:39:34
